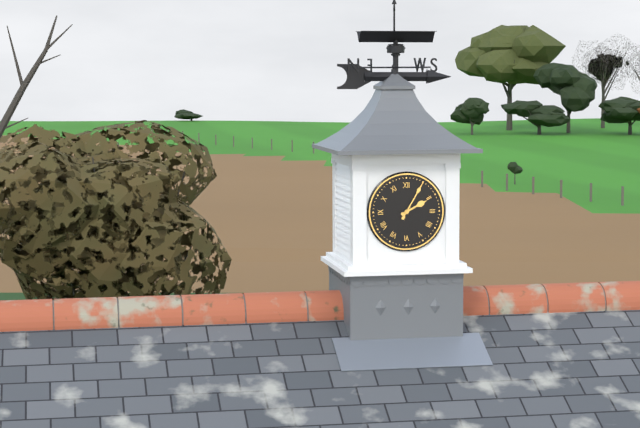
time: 2:05
